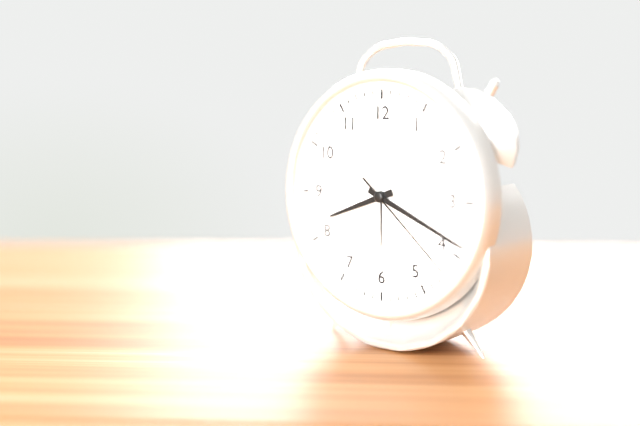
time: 8:19:22
